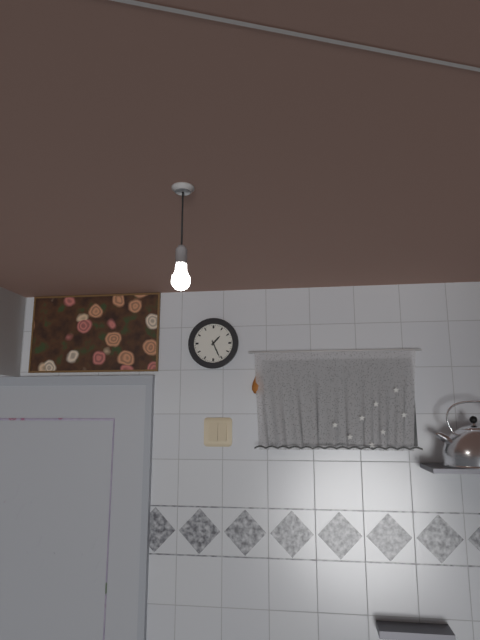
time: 1:26
